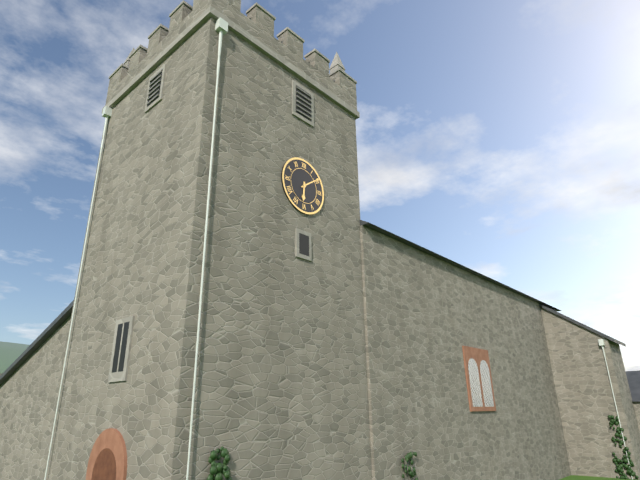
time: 6:09
